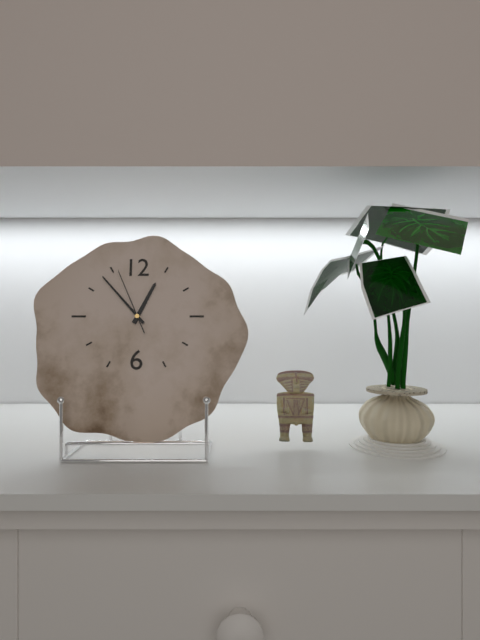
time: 12:53:56
